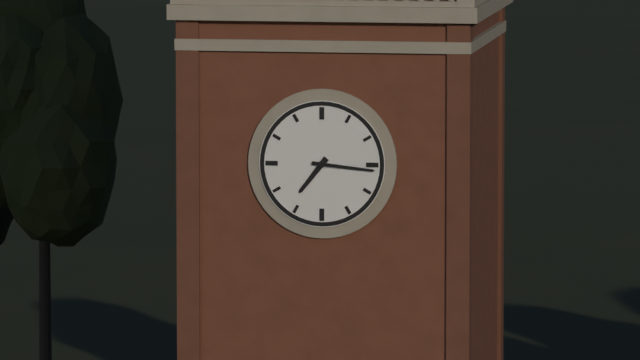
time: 7:16
